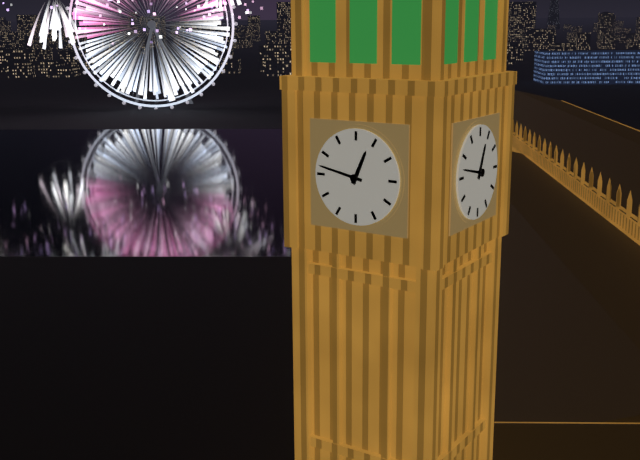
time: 12:47
